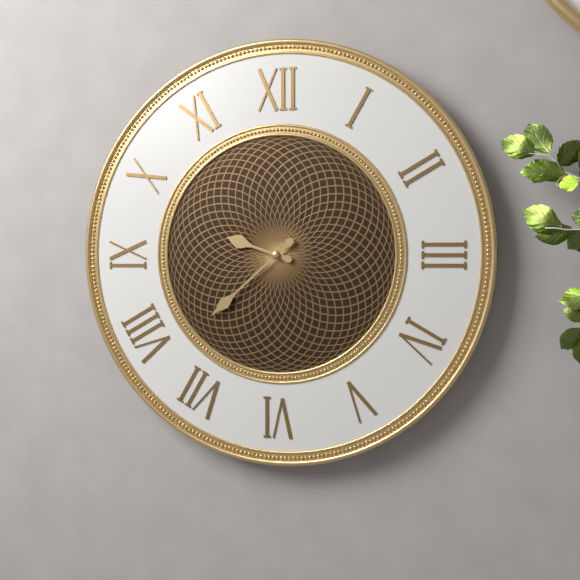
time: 9:38
